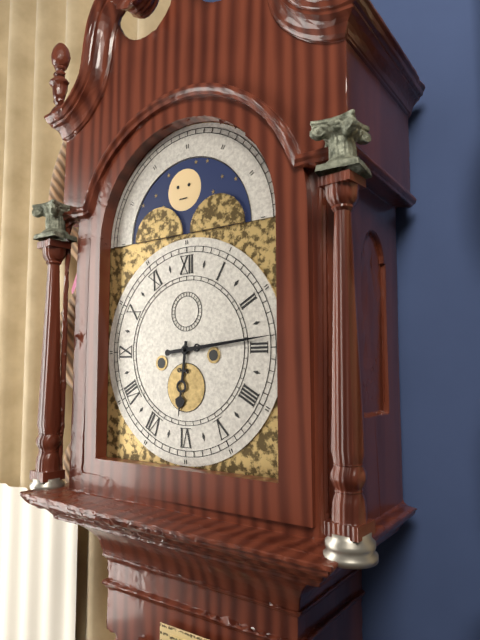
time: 6:14
